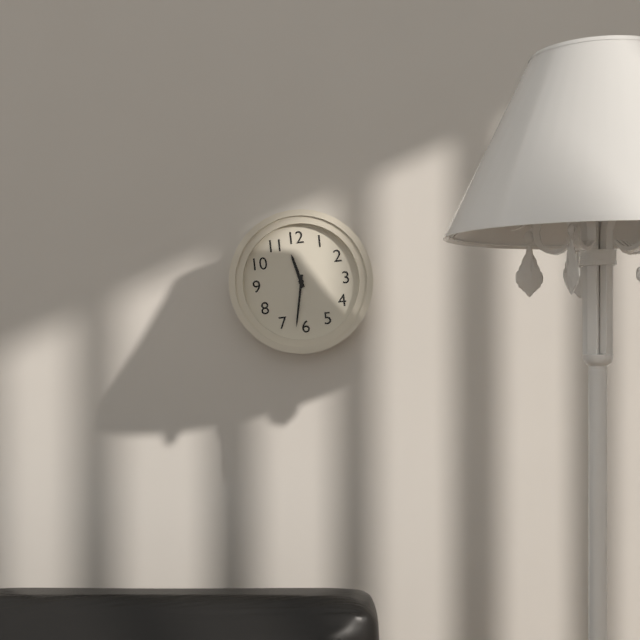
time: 11:32
